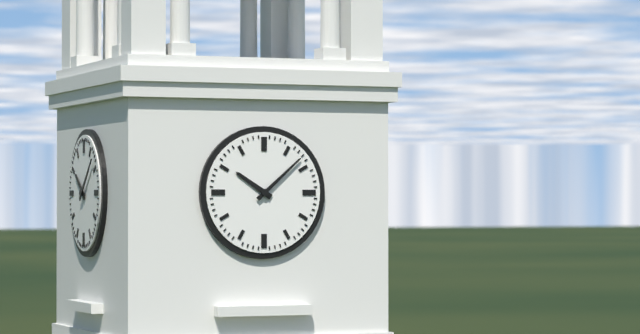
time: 10:08
